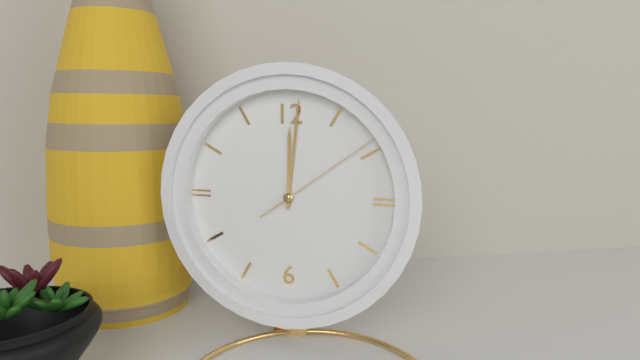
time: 12:01:09
